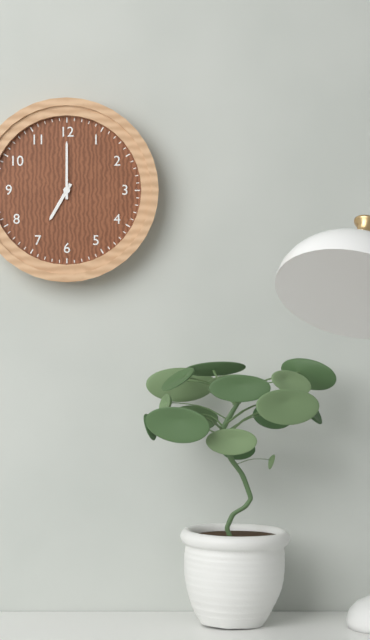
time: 7:00
